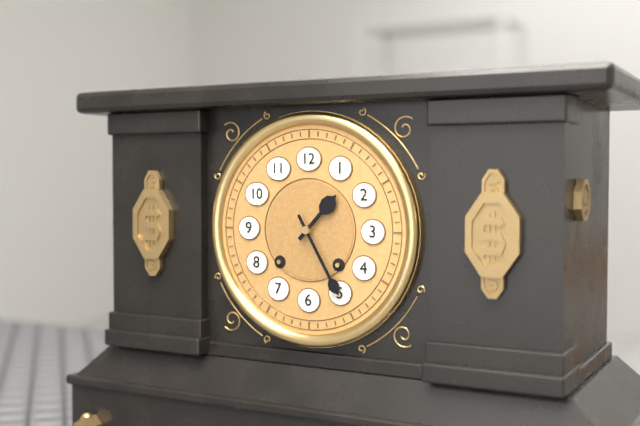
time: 1:25
